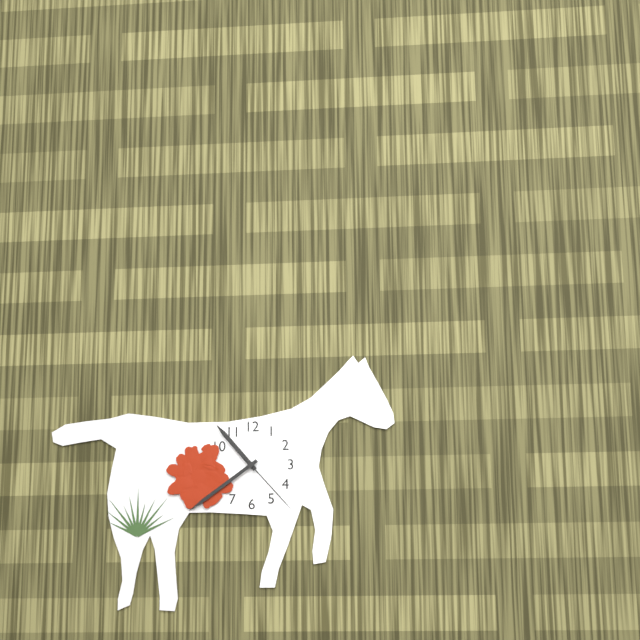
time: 10:39:23
